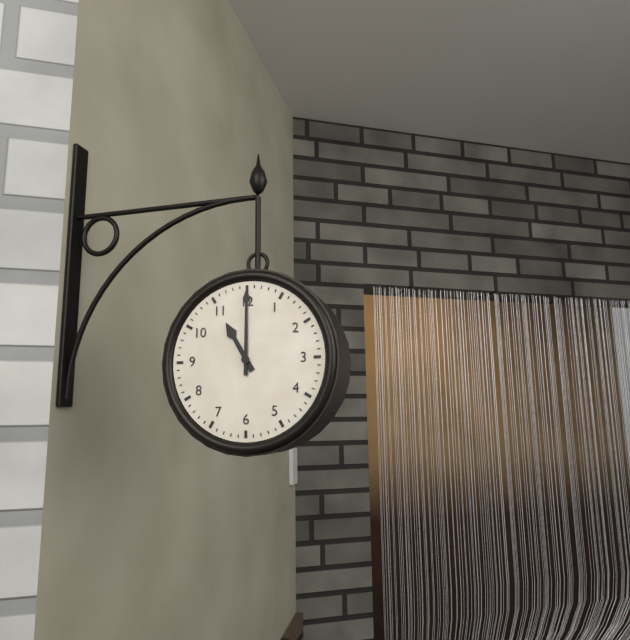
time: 11:00
